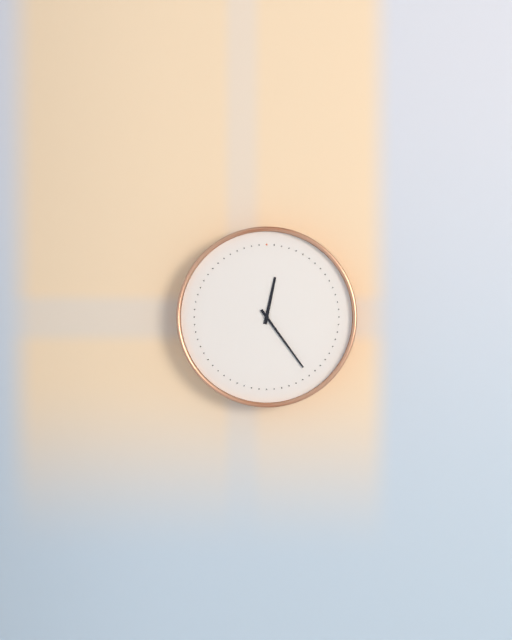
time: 12:24
